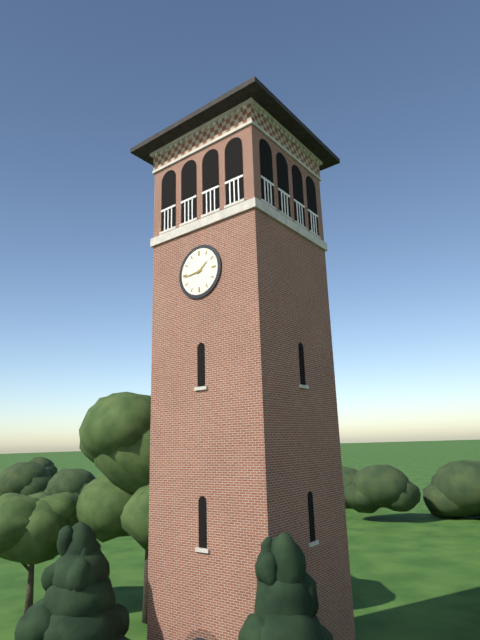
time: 1:44
